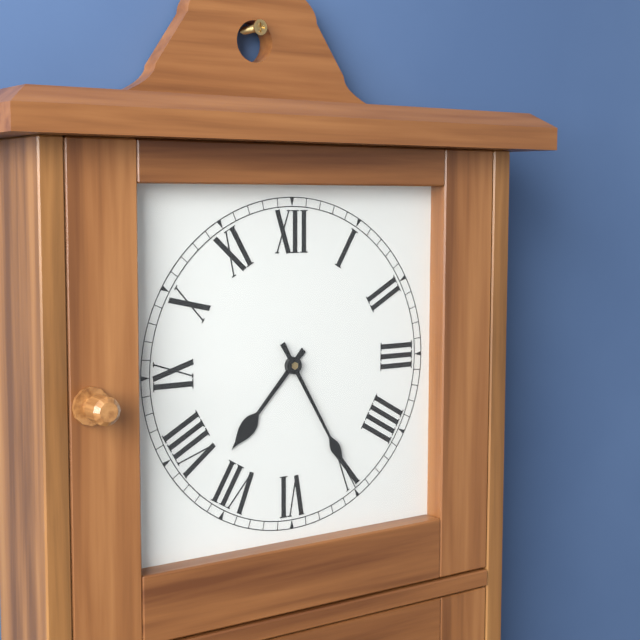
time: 7:25
